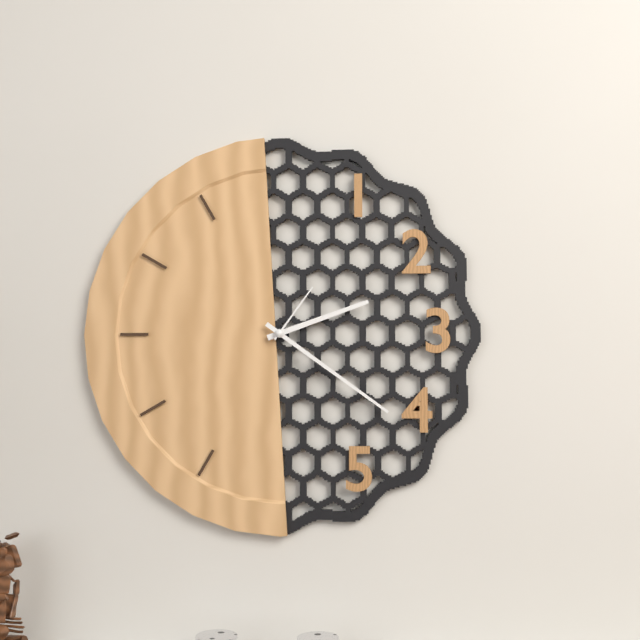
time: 2:21:06
